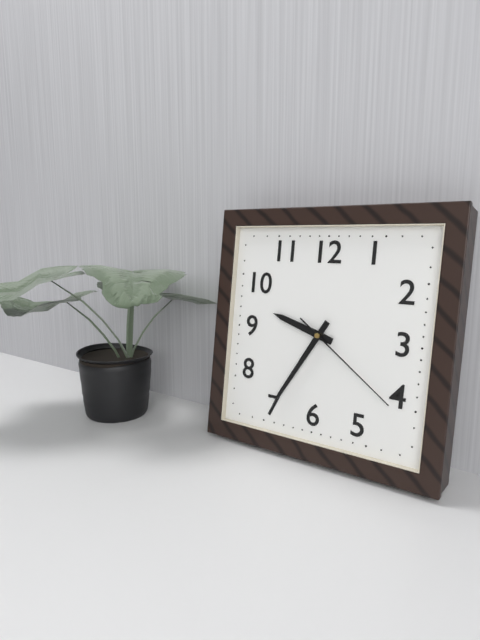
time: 9:35:21
